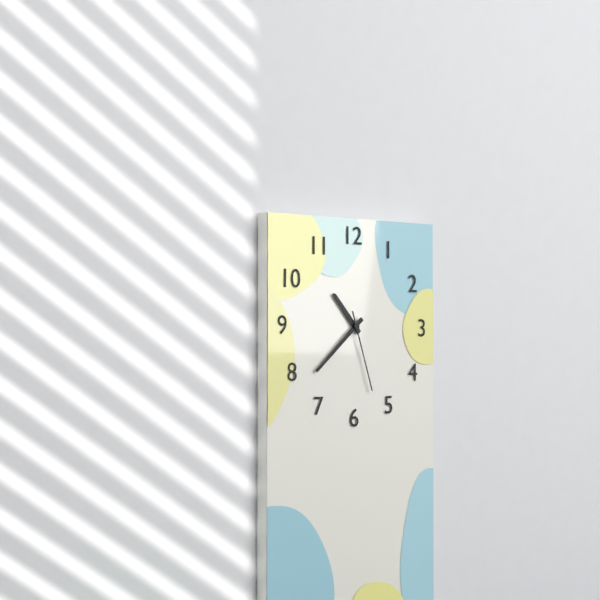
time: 10:38:27
